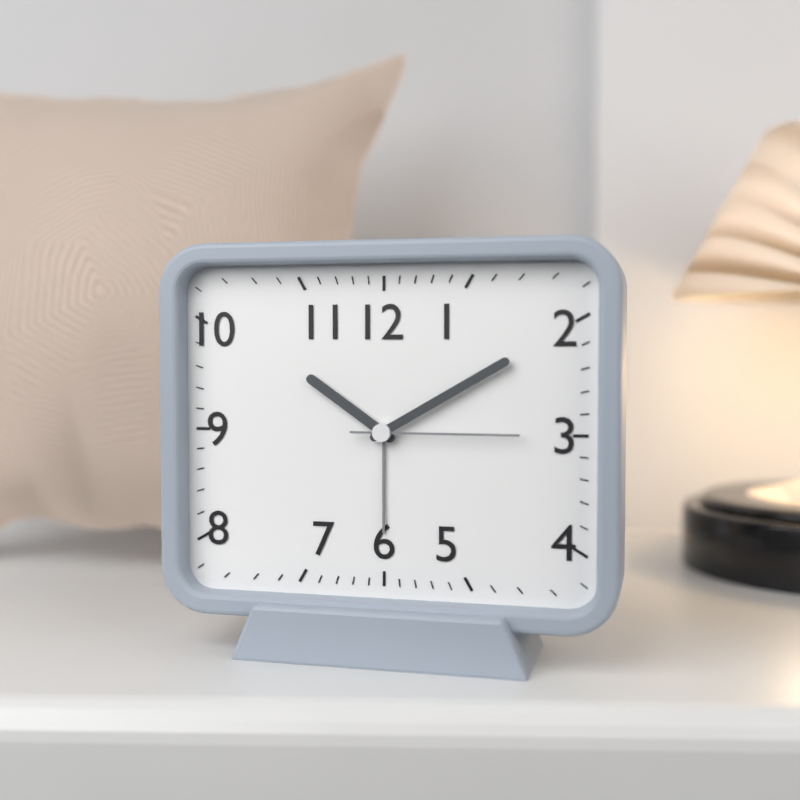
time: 10:10:15
